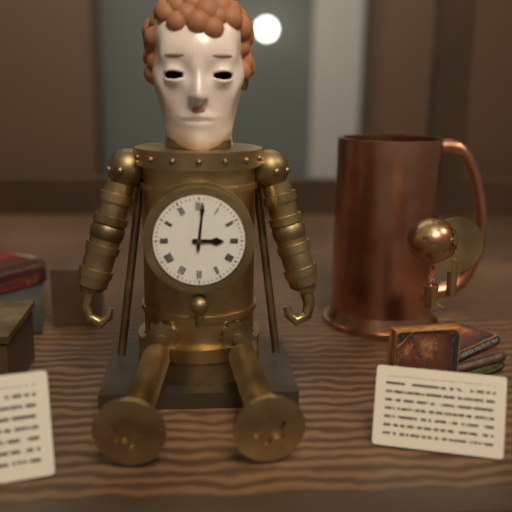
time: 3:01
